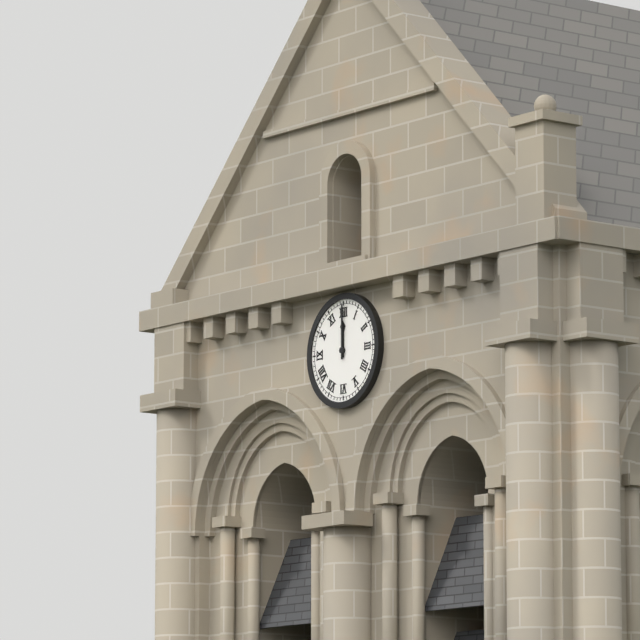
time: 12:00
